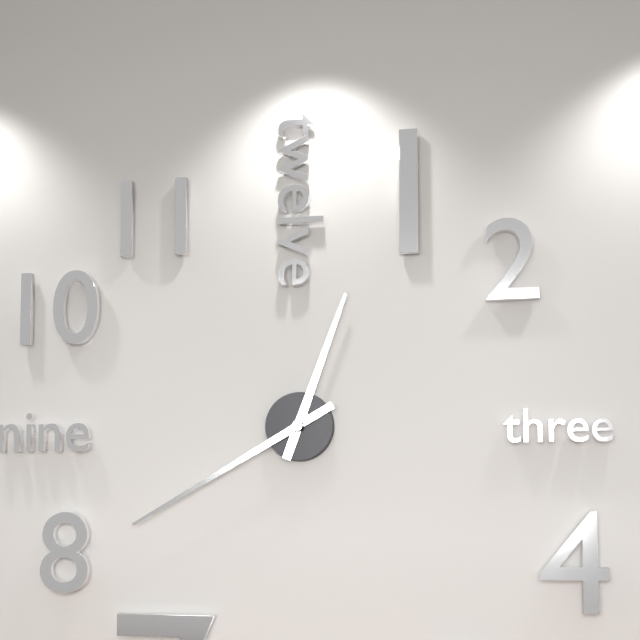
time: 12:40
